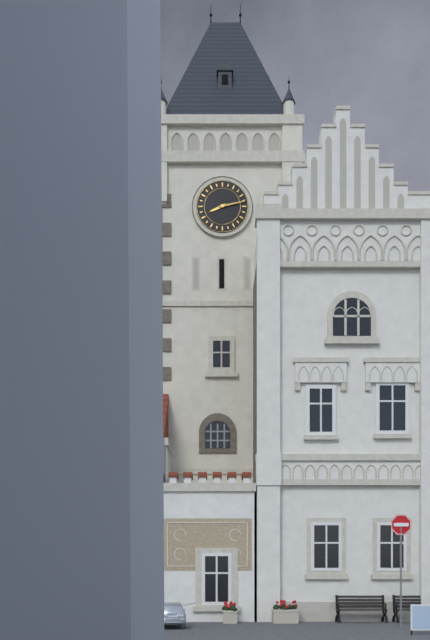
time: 8:13
